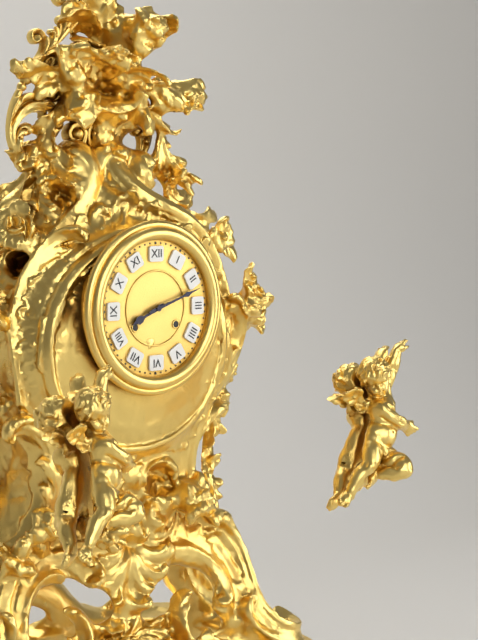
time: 8:12
